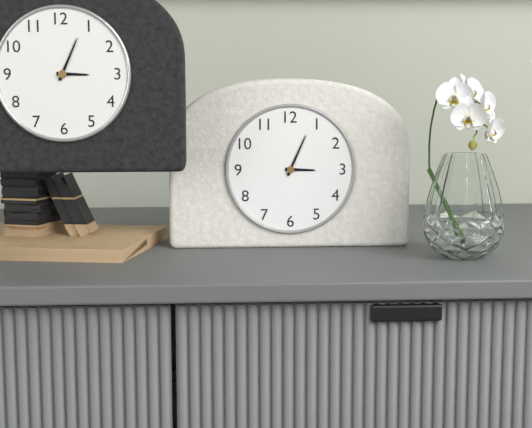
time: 3:04
